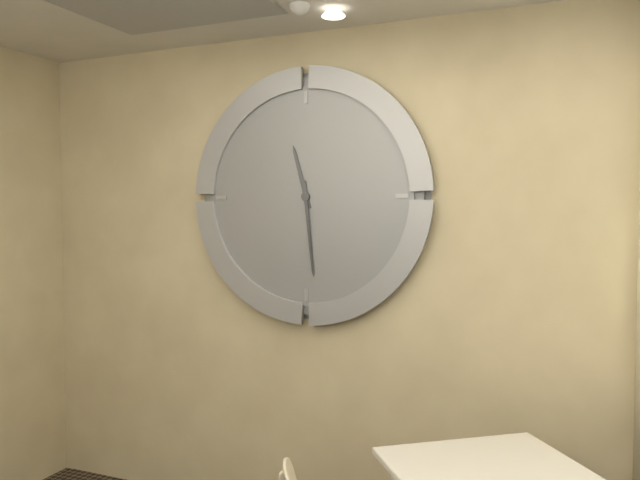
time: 11:29
